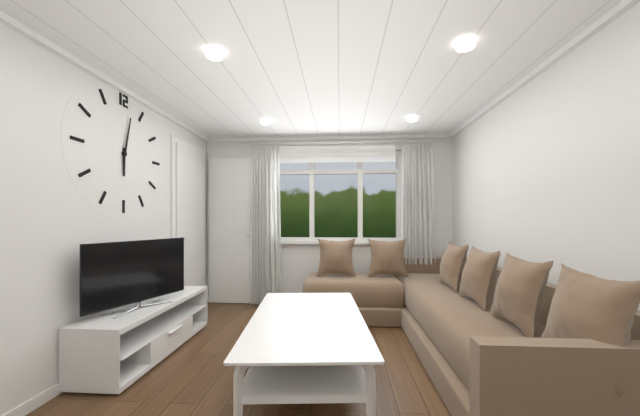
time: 6:02
